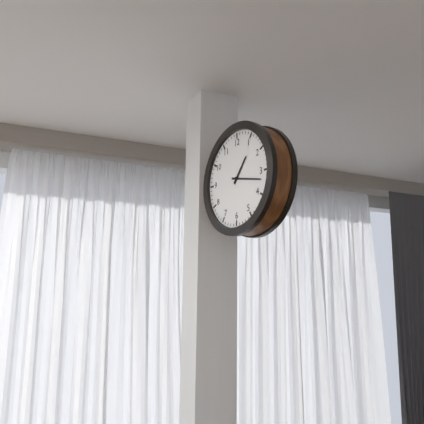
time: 1:17
